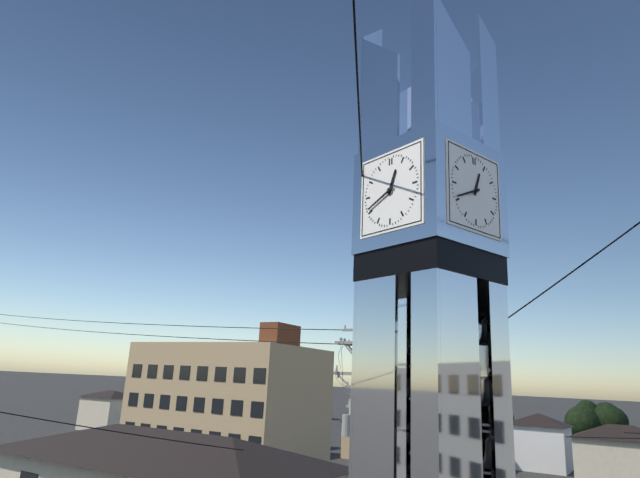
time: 12:41
